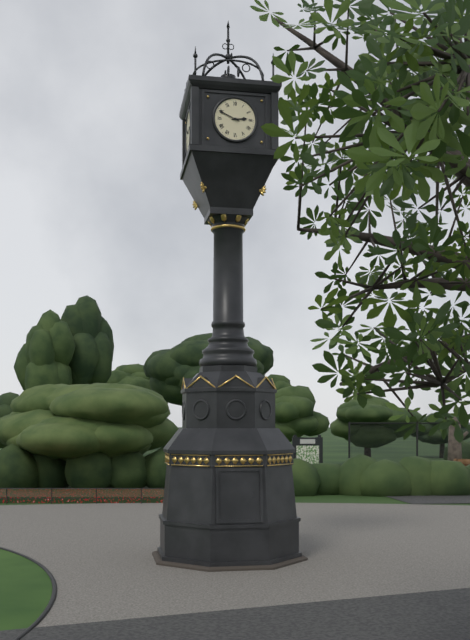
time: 2:49
